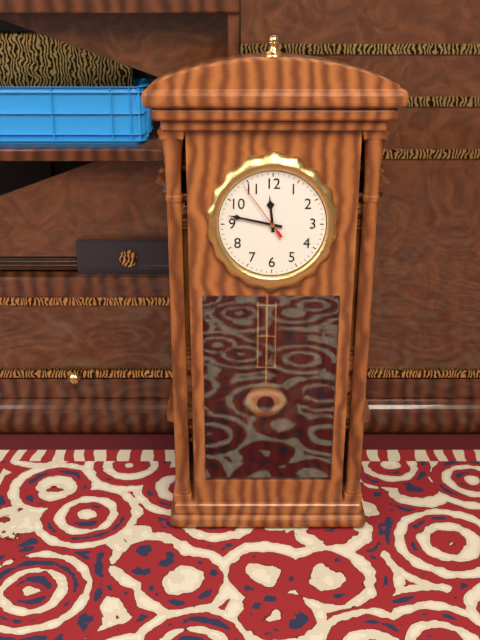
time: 11:47:54
